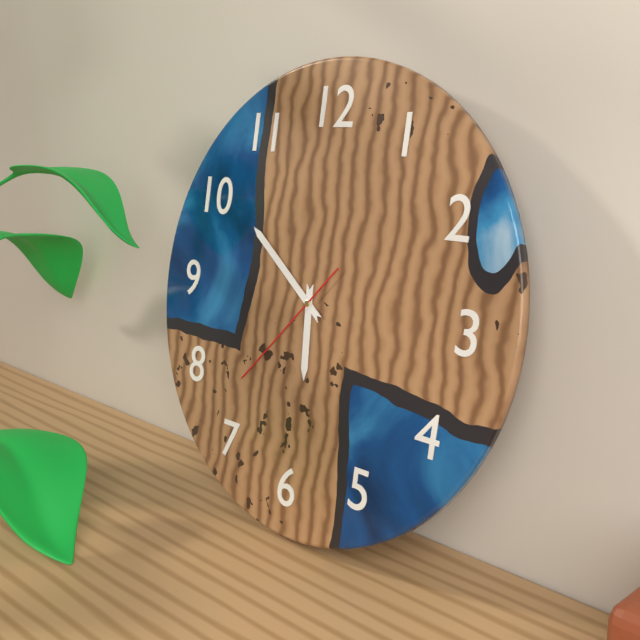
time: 5:51:37
